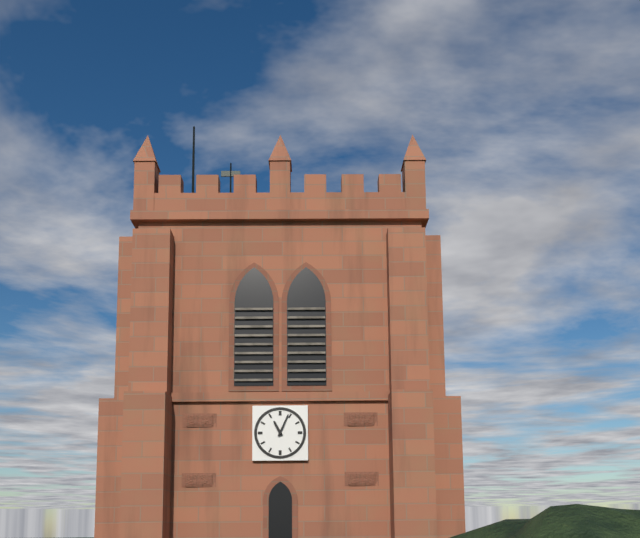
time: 11:04
